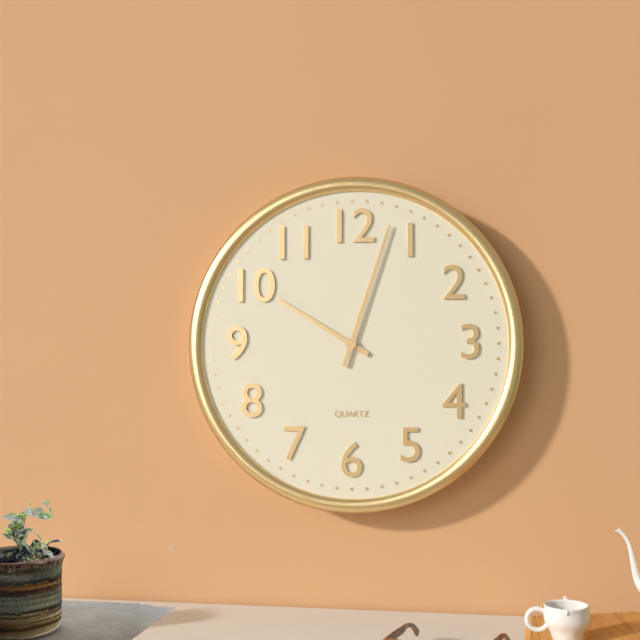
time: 10:03
